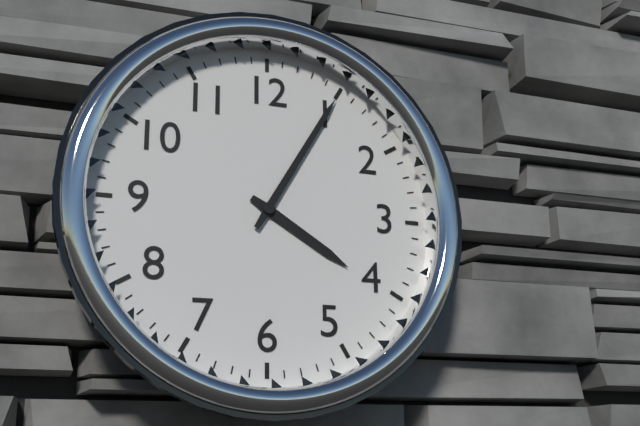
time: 4:05
